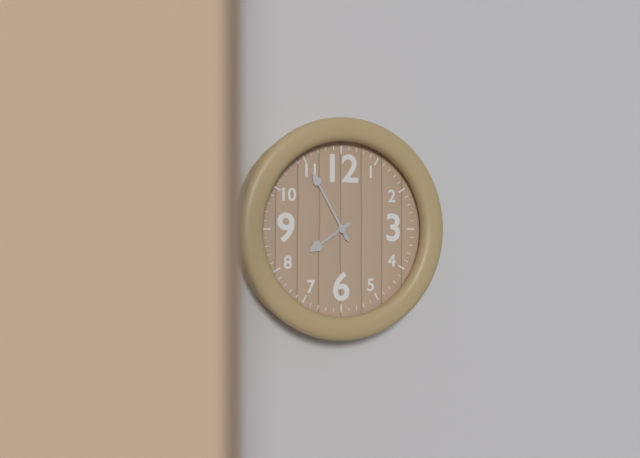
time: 7:55
